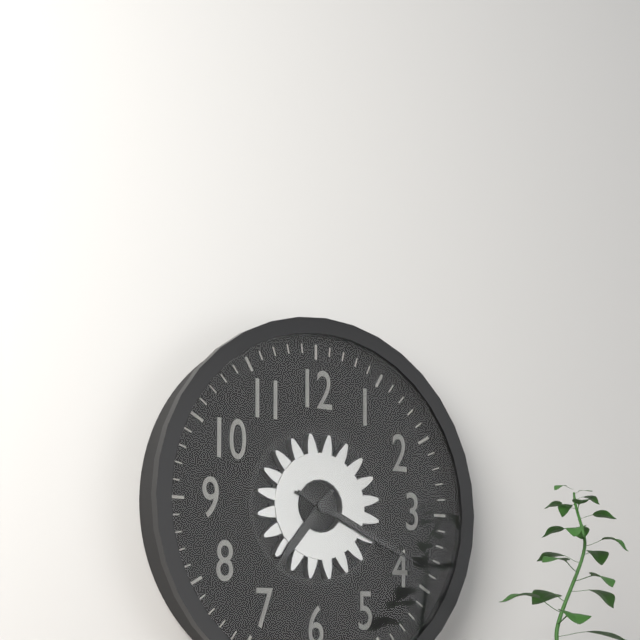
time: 7:19
